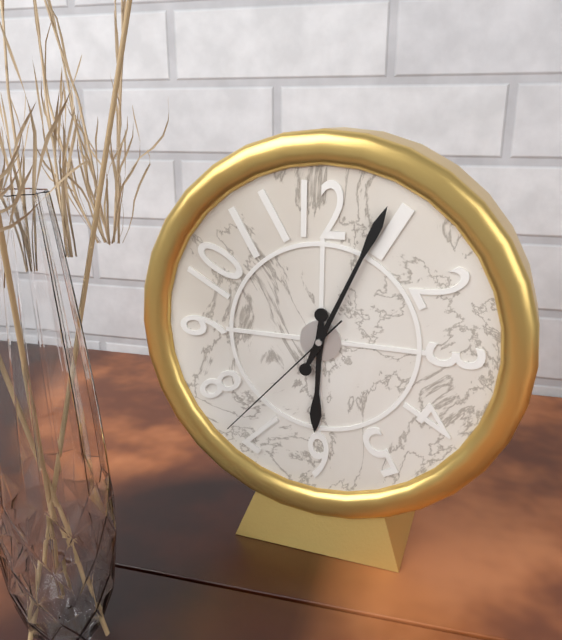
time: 6:04:37
